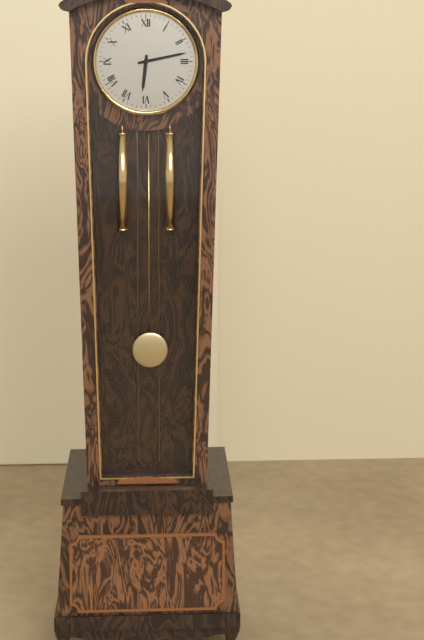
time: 6:13
